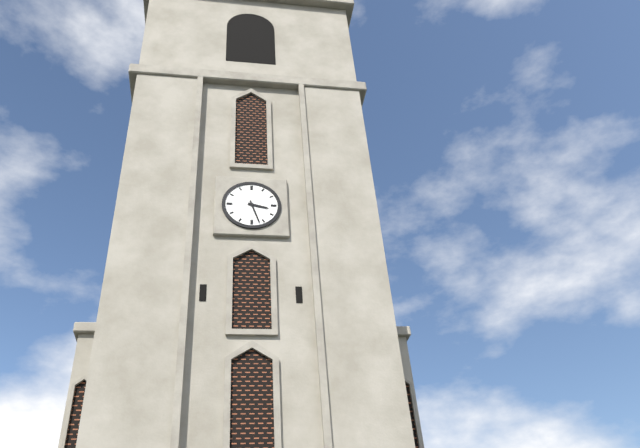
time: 3:27
